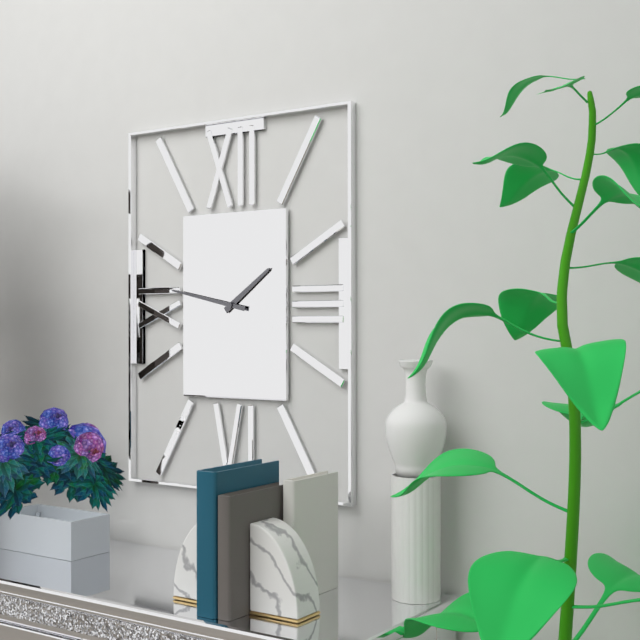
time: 1:47
